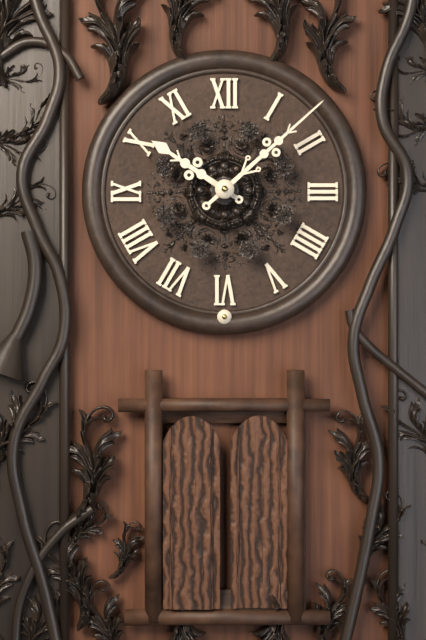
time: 10:08
